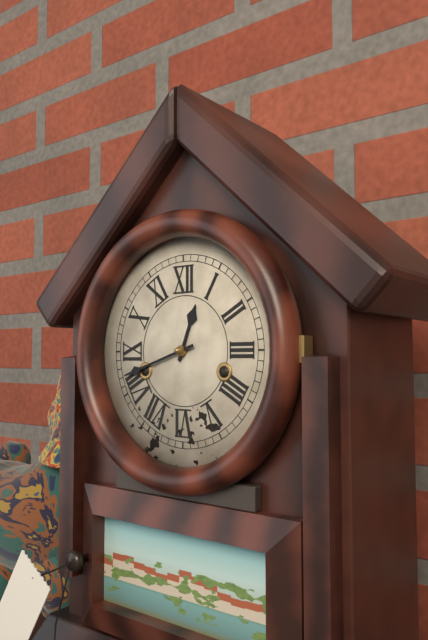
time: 12:42
